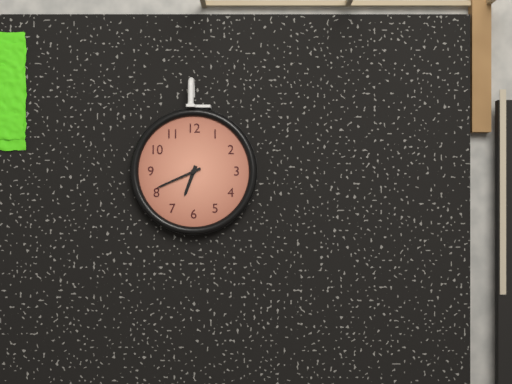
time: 6:41
